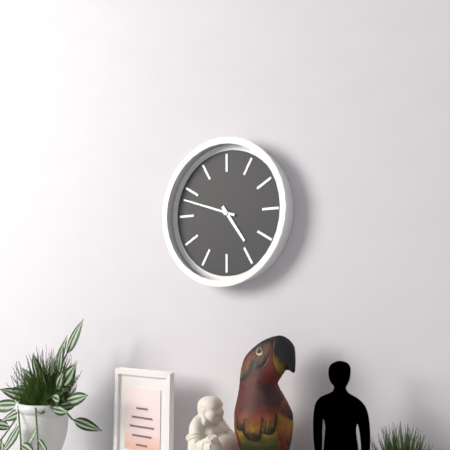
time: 4:48
